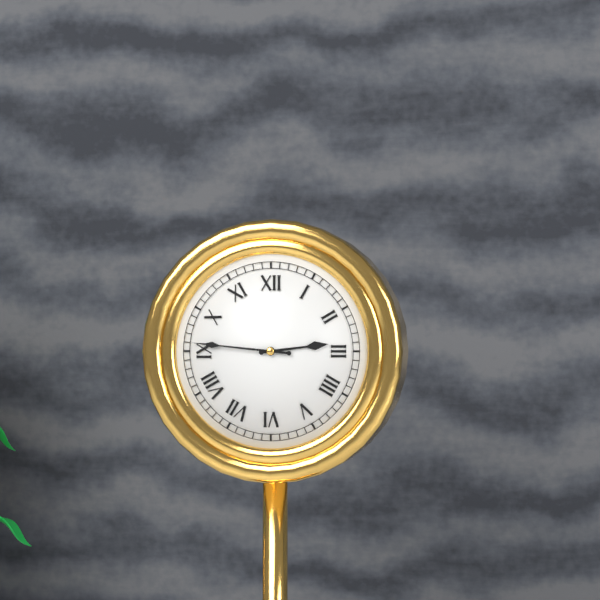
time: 2:46
